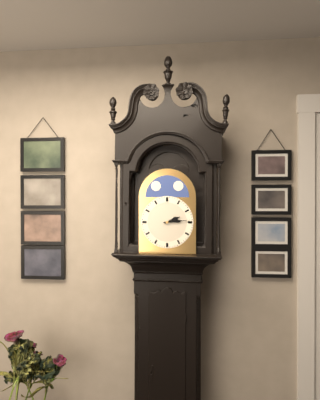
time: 2:14
